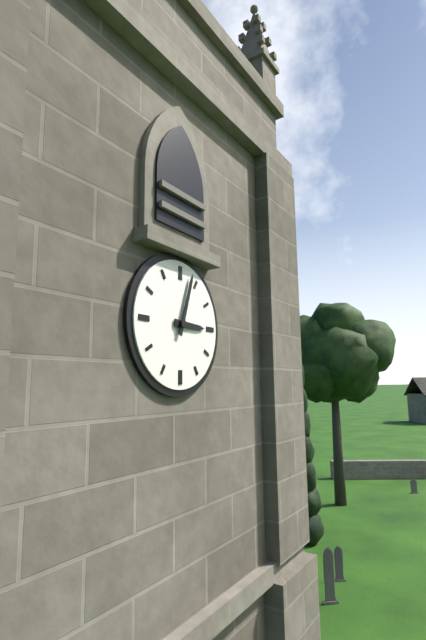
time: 3:03
